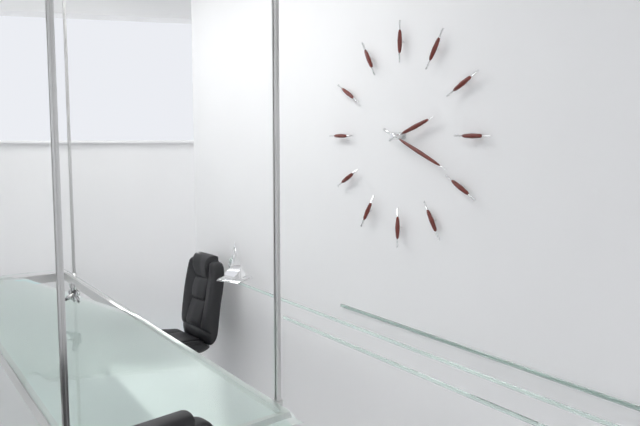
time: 2:19
